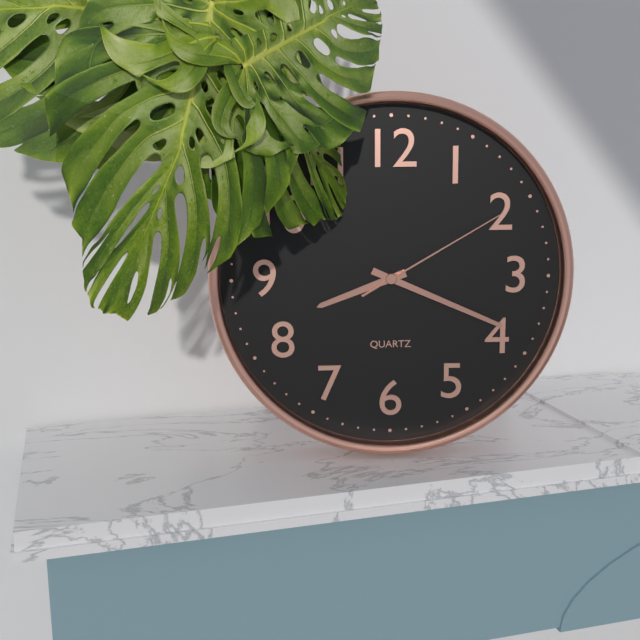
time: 8:19:10
